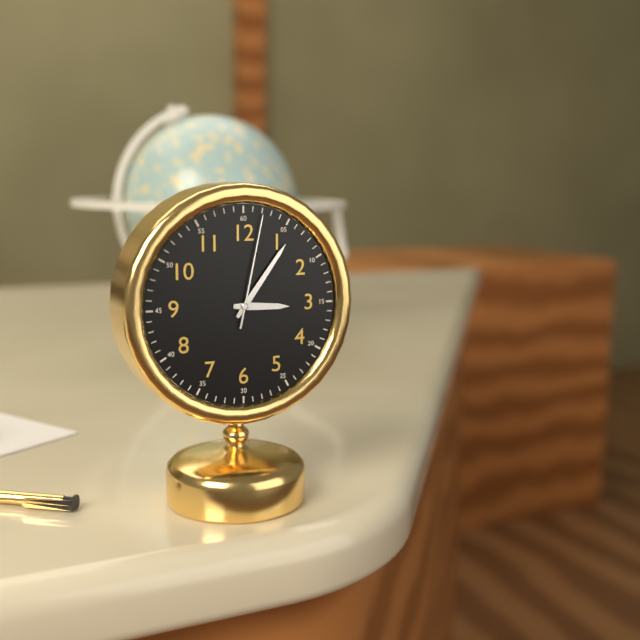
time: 3:06:02
